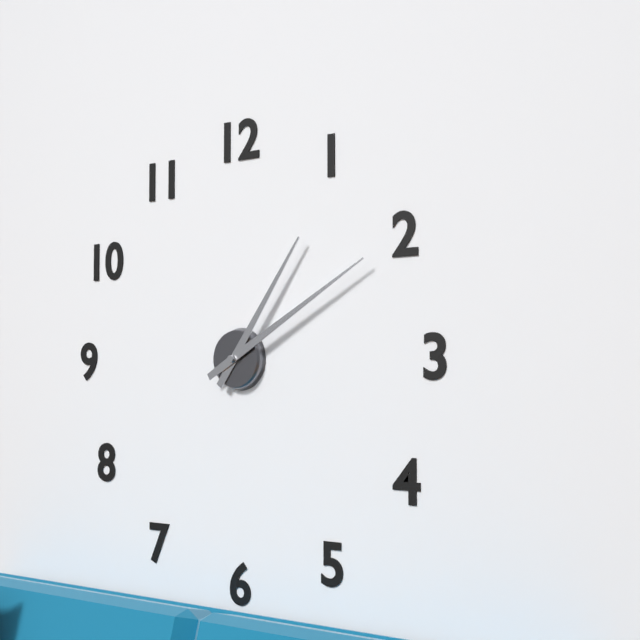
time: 1:10
